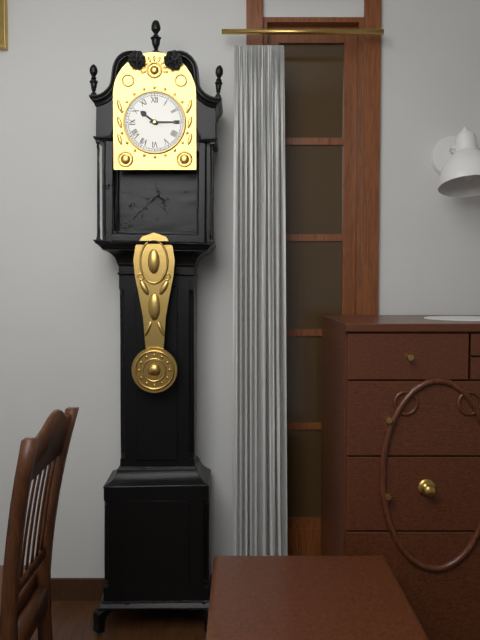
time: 10:15
